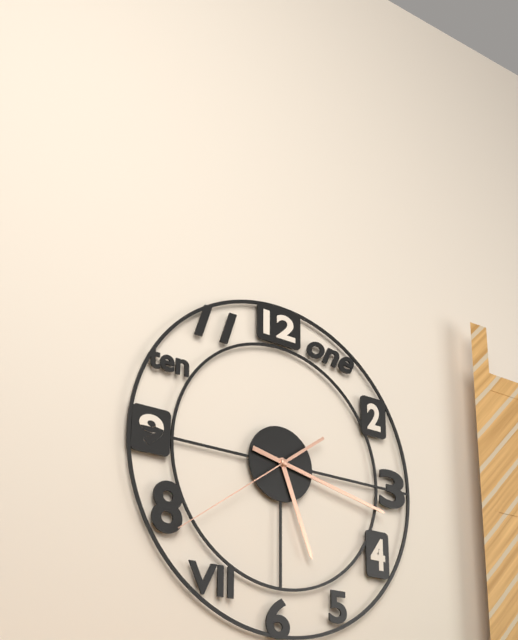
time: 5:17:39
